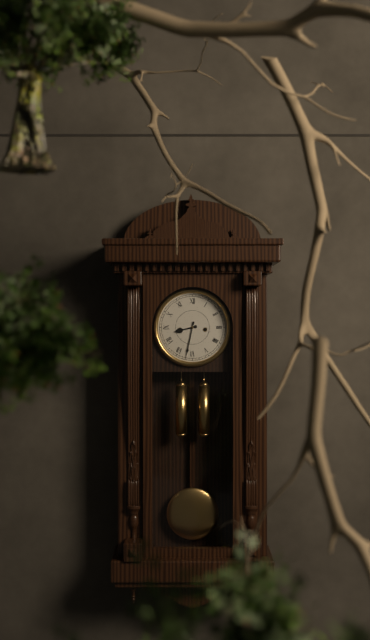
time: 8:32
